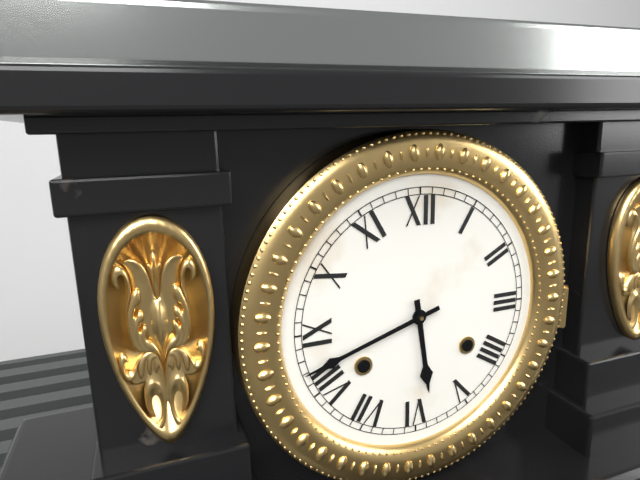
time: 5:42
